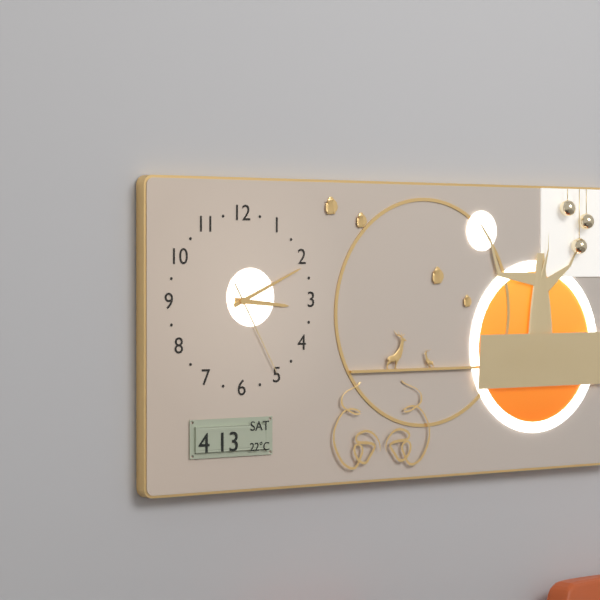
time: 3:11:25
